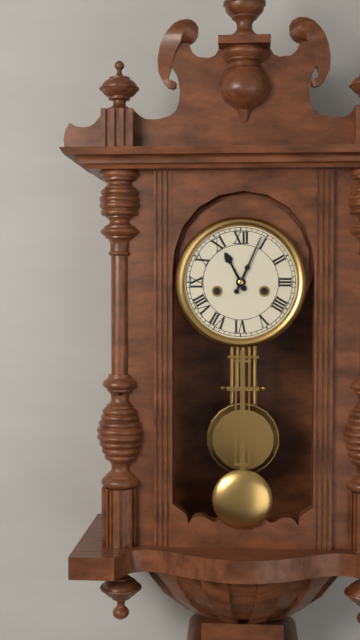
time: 11:04
